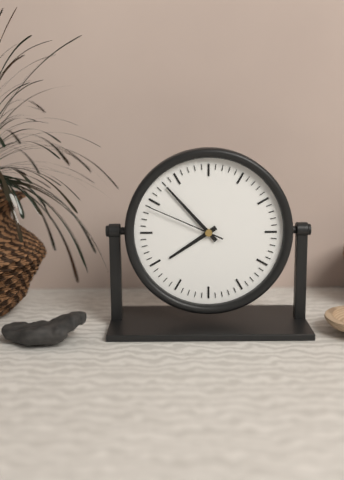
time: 7:53:49
